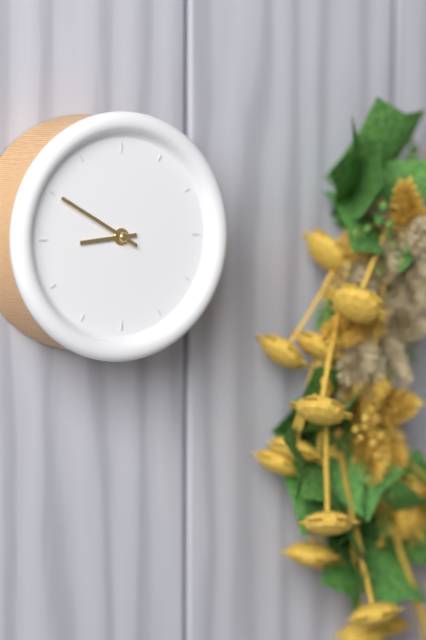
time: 8:50
